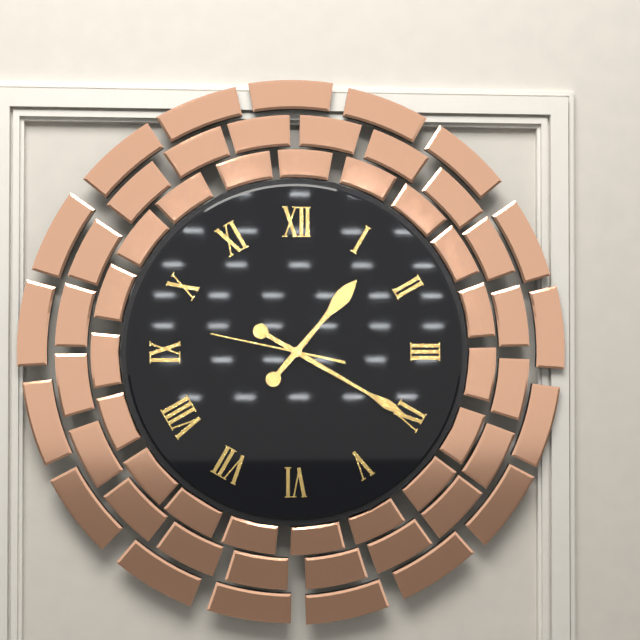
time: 1:20:47
